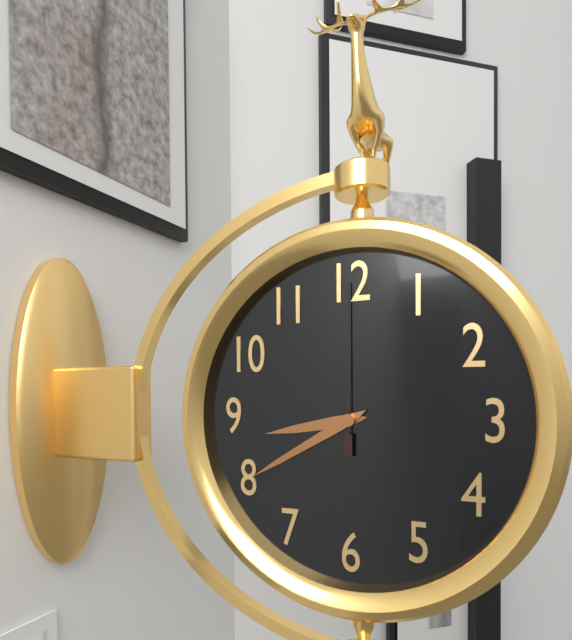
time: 8:40:00
